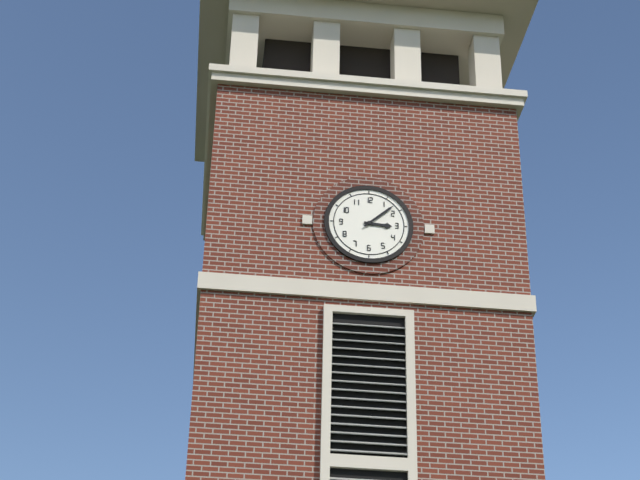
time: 3:08
